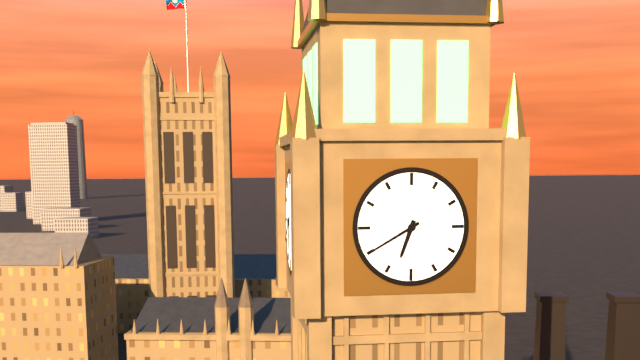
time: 6:40
